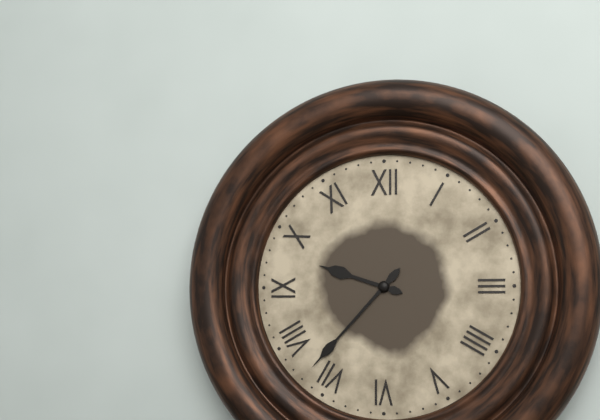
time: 9:37
